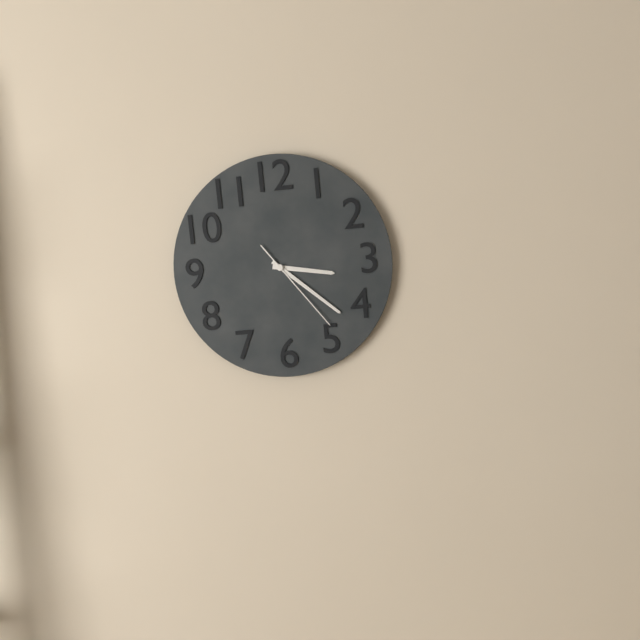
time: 3:22:24
